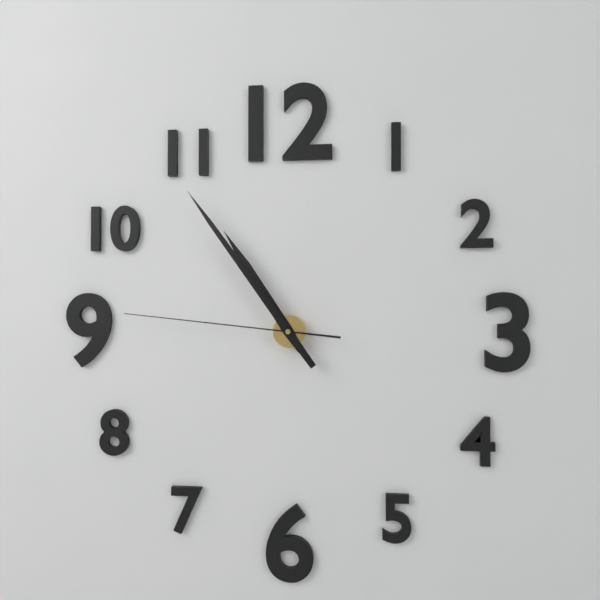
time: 10:54:46
